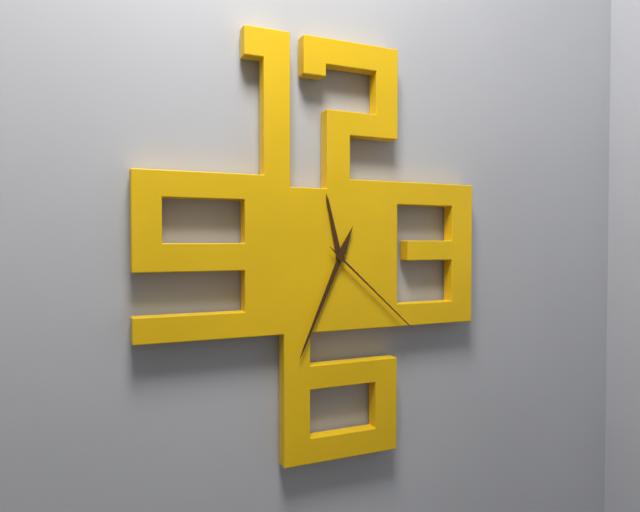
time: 11:34:22
